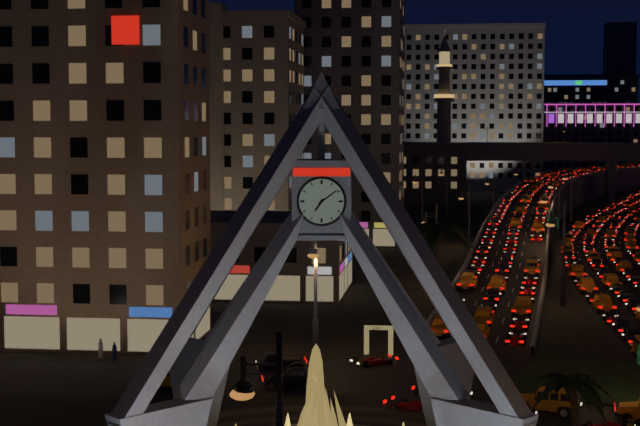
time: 7:09
